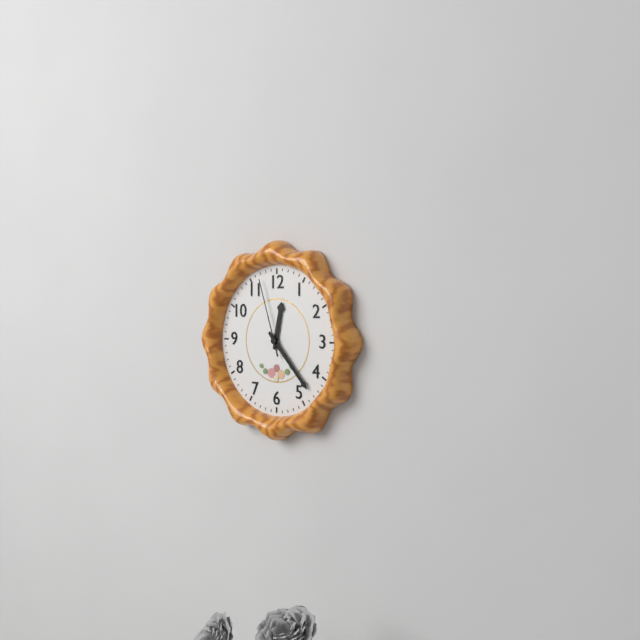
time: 12:23:57
